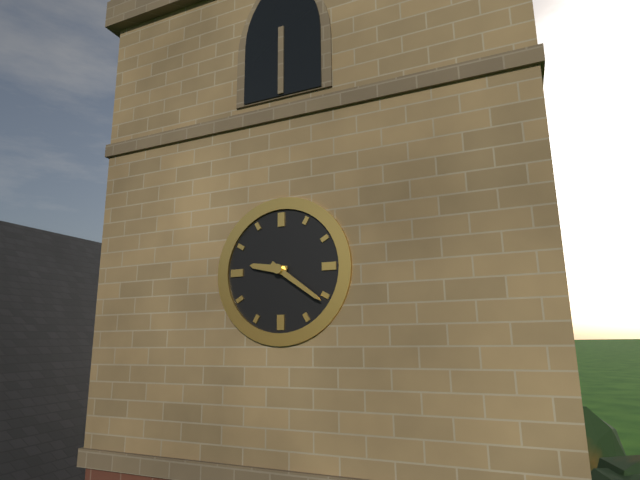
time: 9:21
